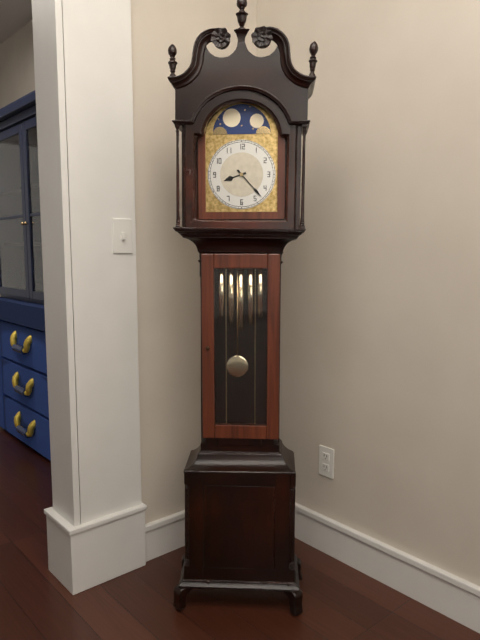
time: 8:23
